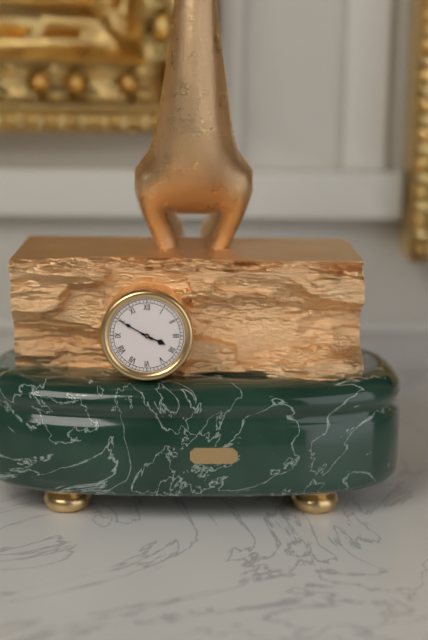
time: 3:50
